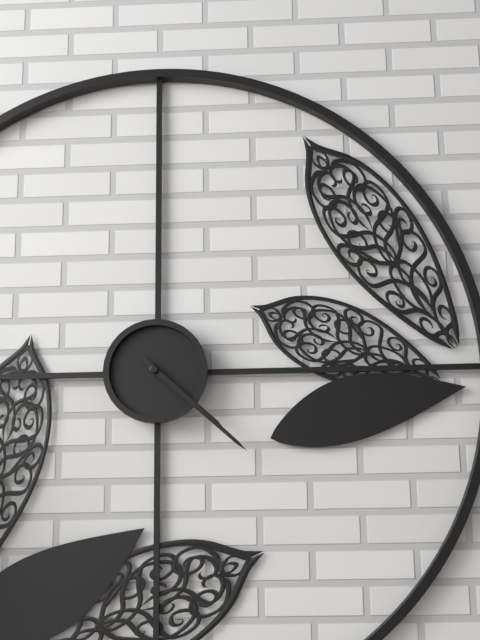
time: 4:22
